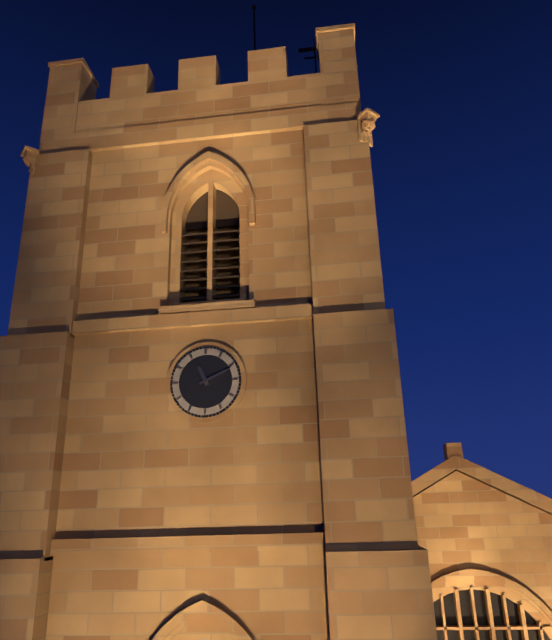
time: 11:11
